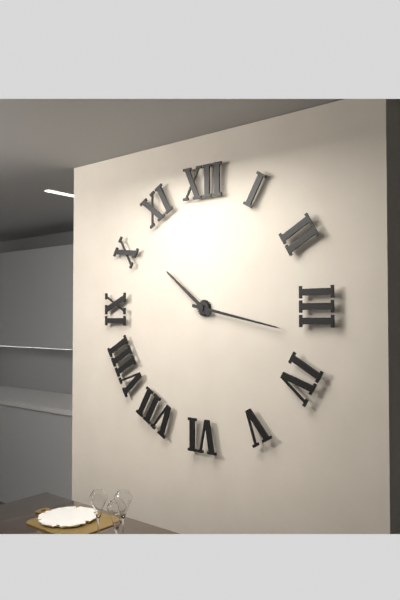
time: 10:17
